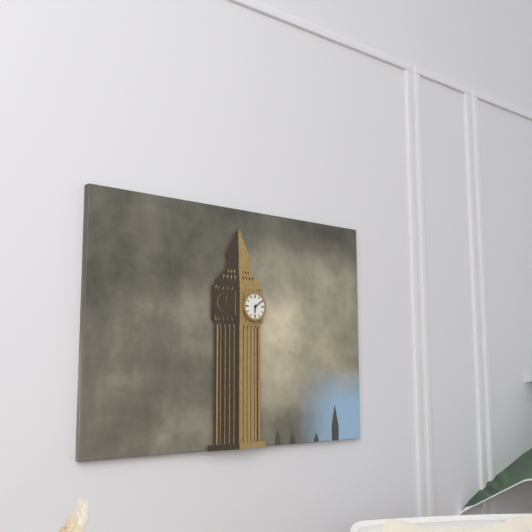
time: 6:09
